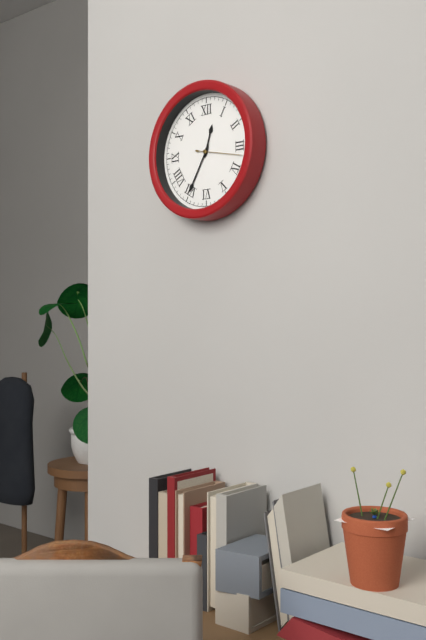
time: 12:35
